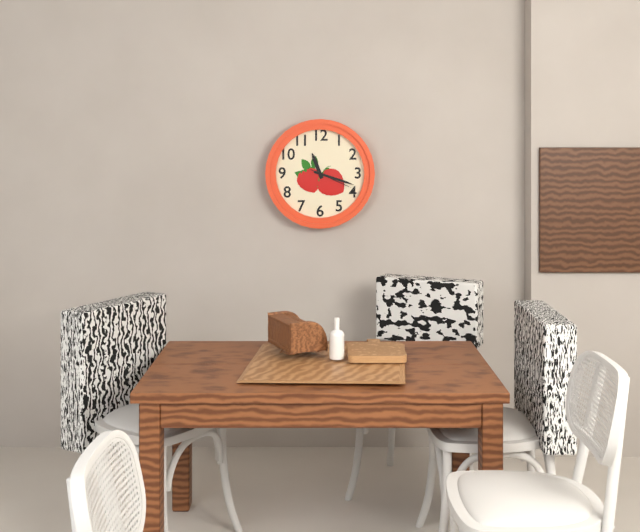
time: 11:18
